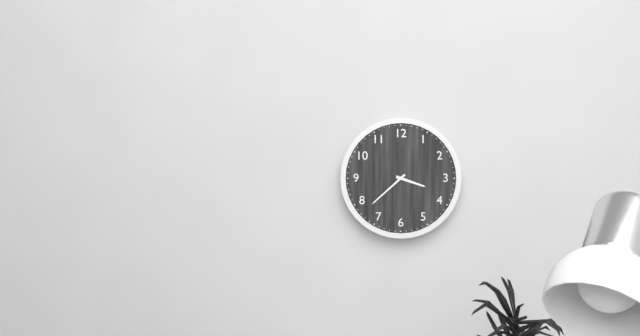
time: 3:38
